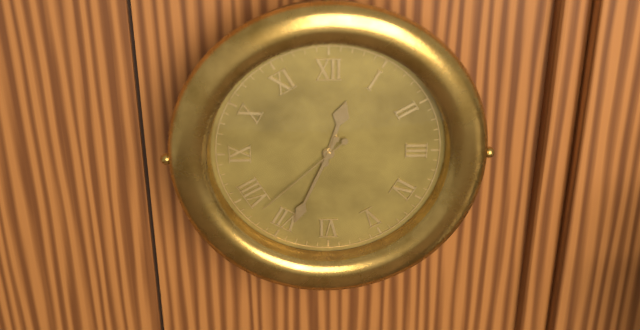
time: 12:34:38
